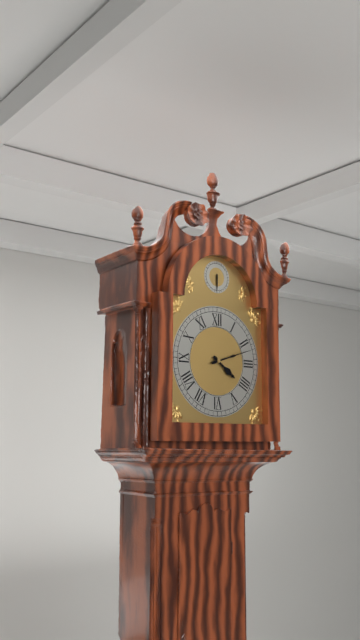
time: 4:12
